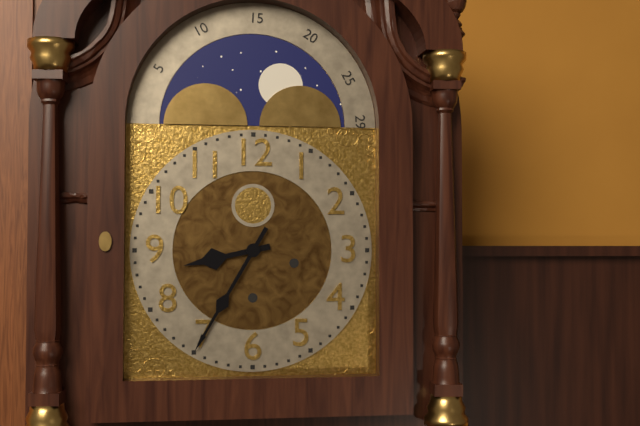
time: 8:35
